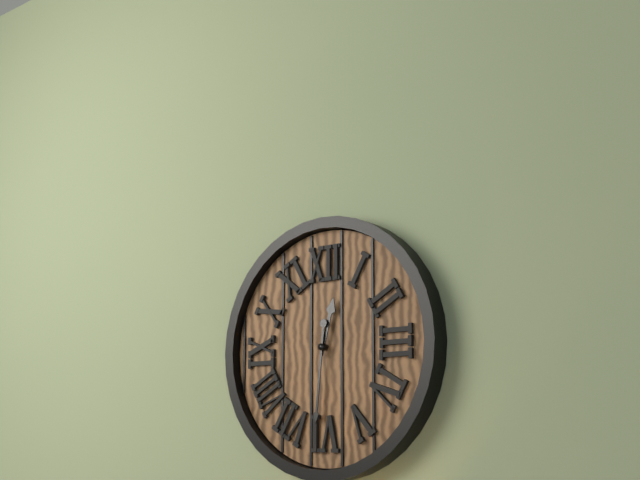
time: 12:31
